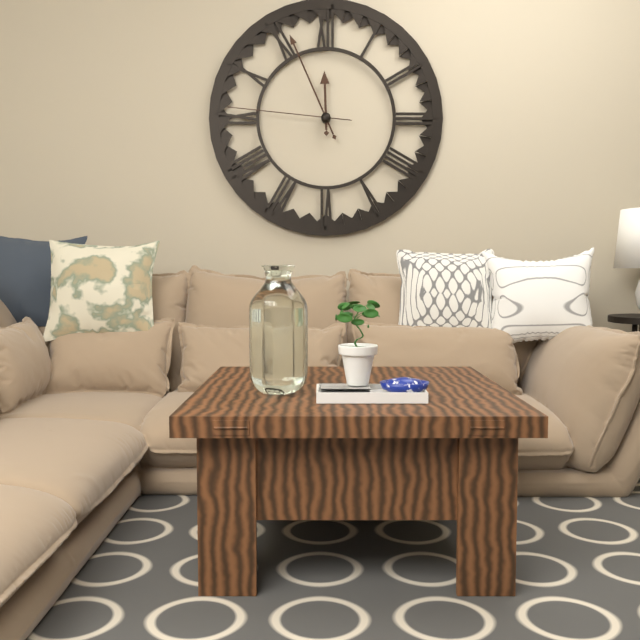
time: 11:56:46
